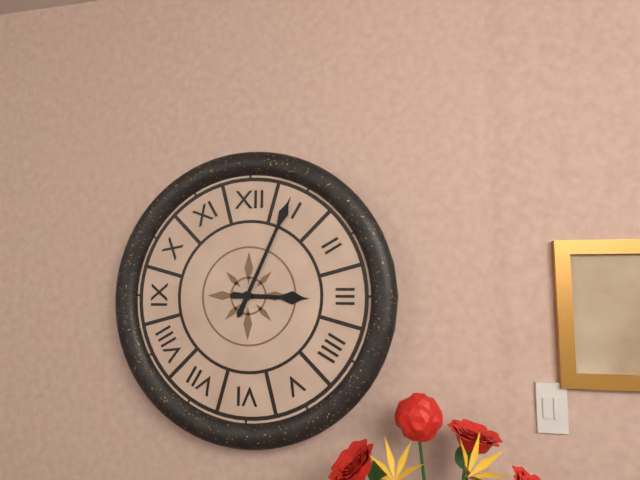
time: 3:04
